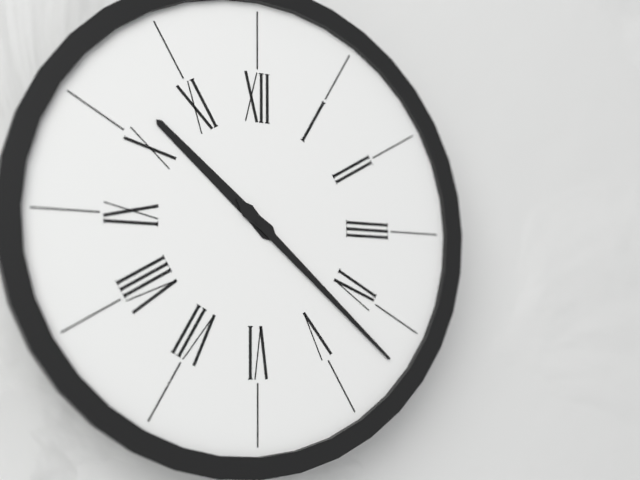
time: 10:22
